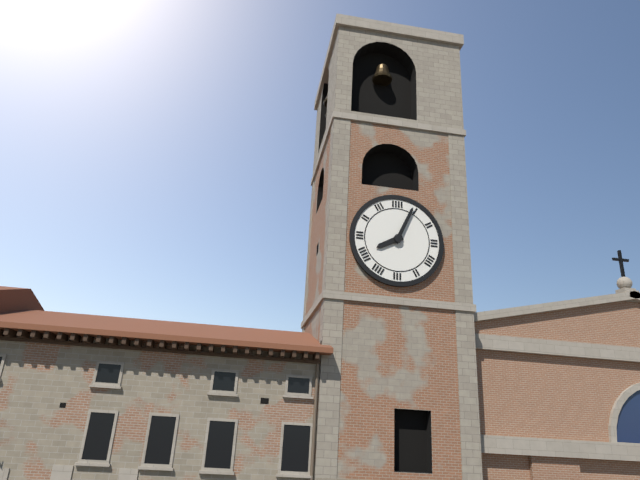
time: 8:04
